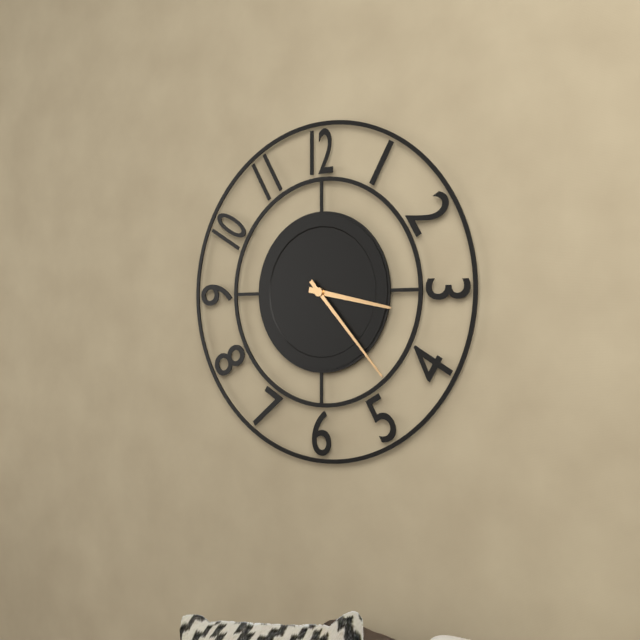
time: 3:23
